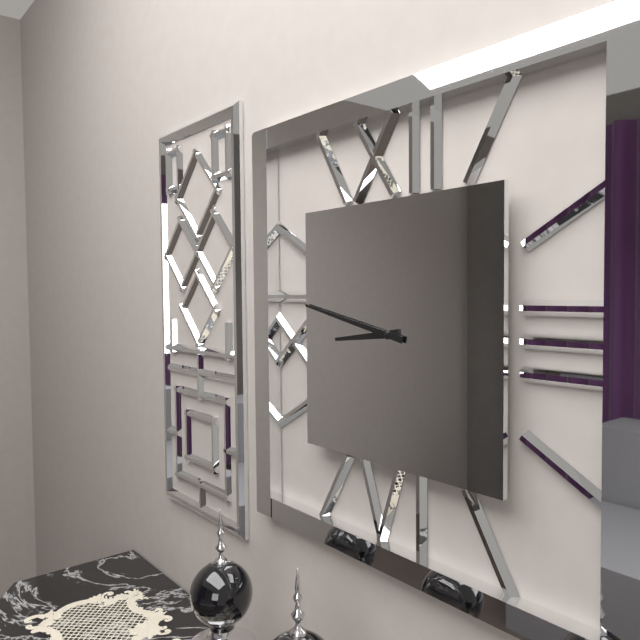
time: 8:47
